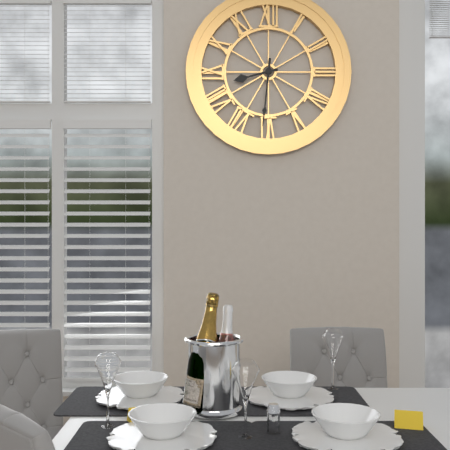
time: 8:31
